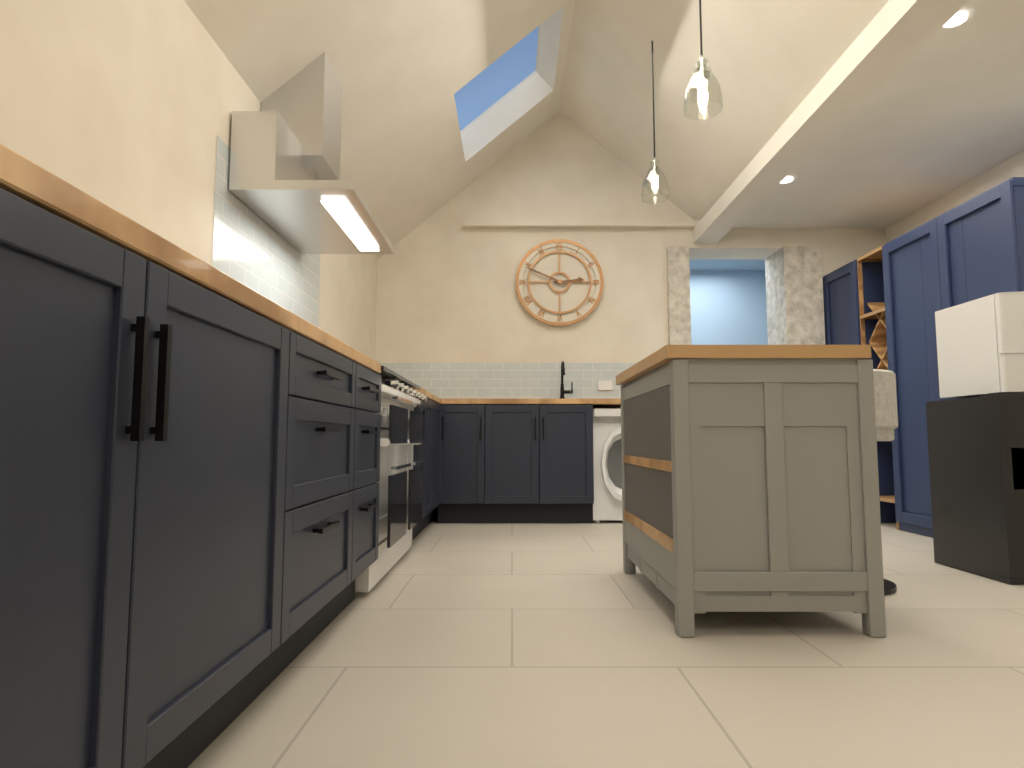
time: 2:49
